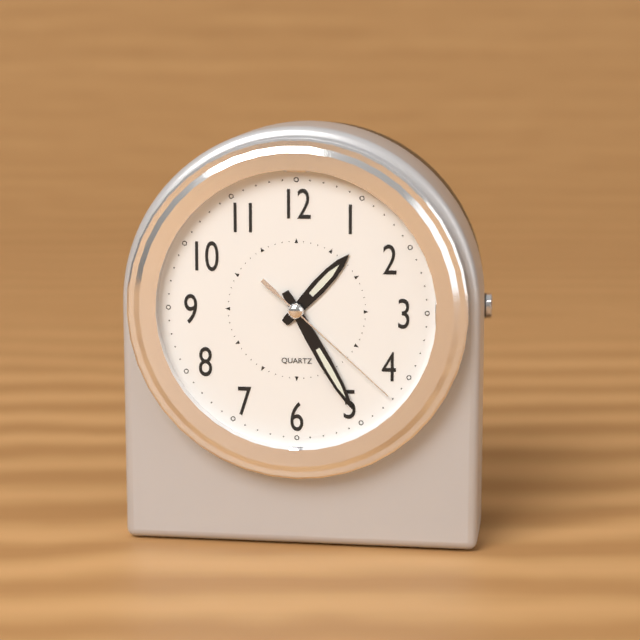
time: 1:25:22
